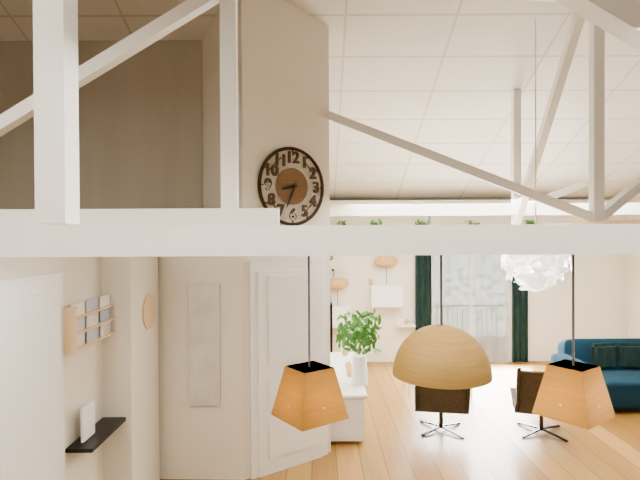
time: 8:34
